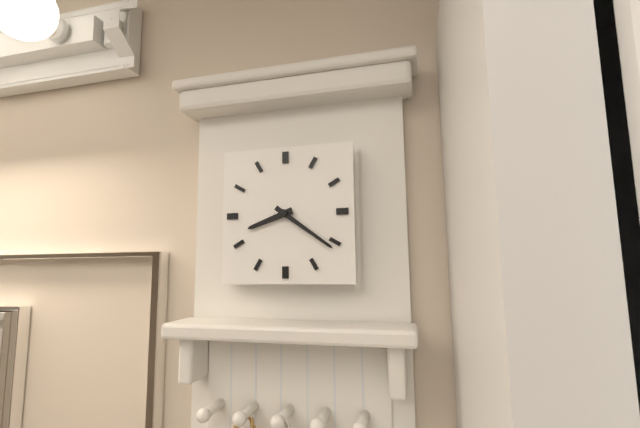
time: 8:21
